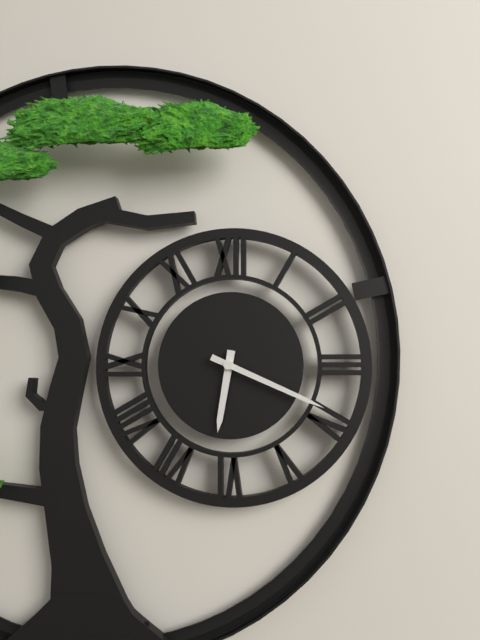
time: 6:19
